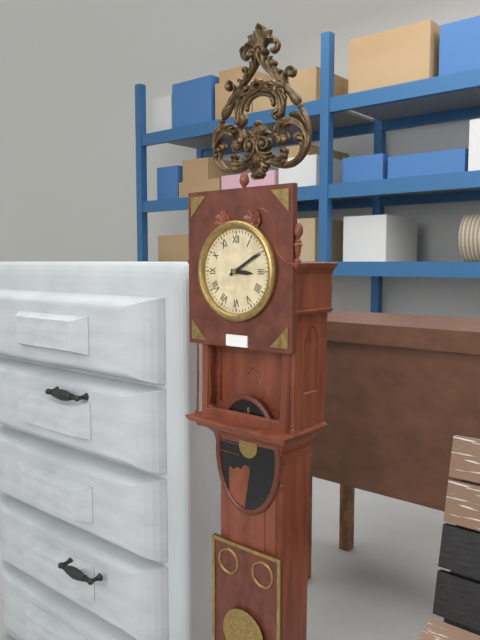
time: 3:10
